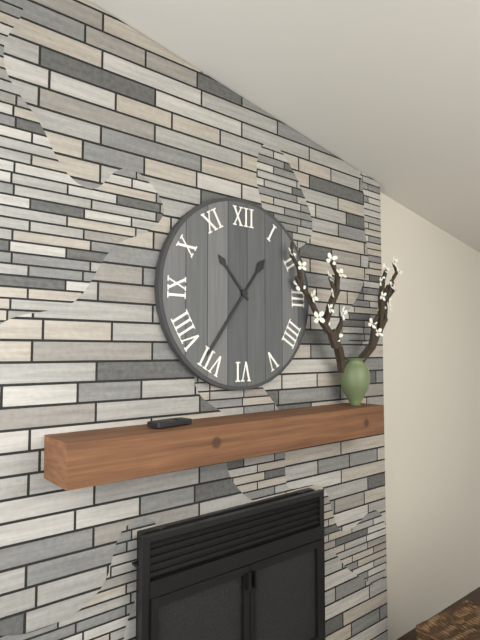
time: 10:36
